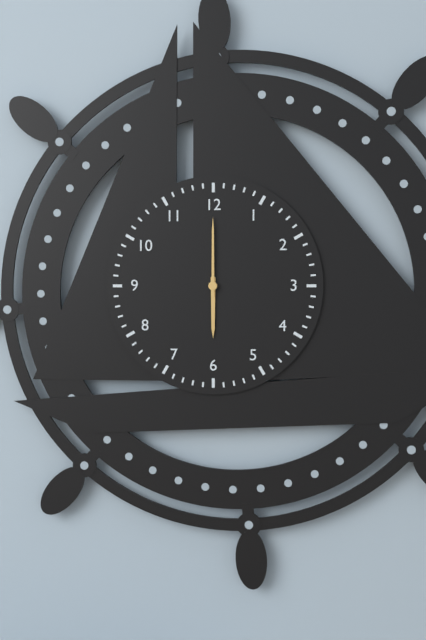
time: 6:00
